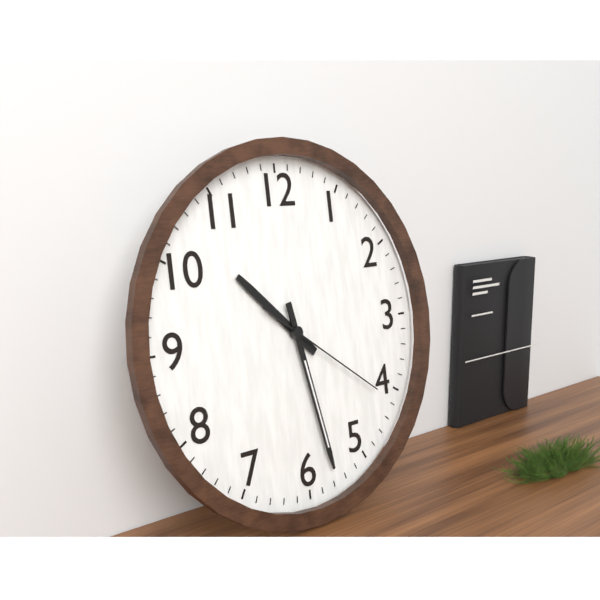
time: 10:28:21
